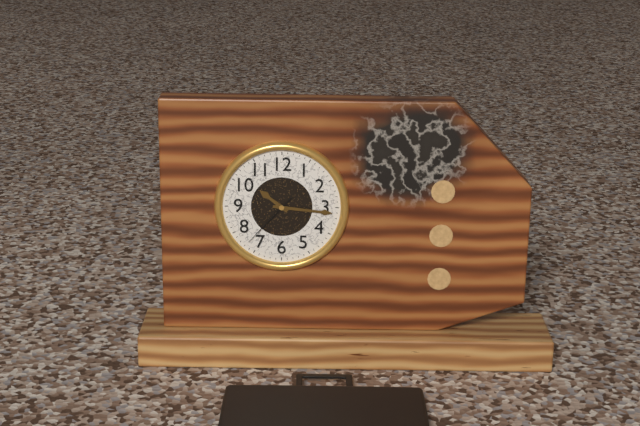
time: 10:16:37
